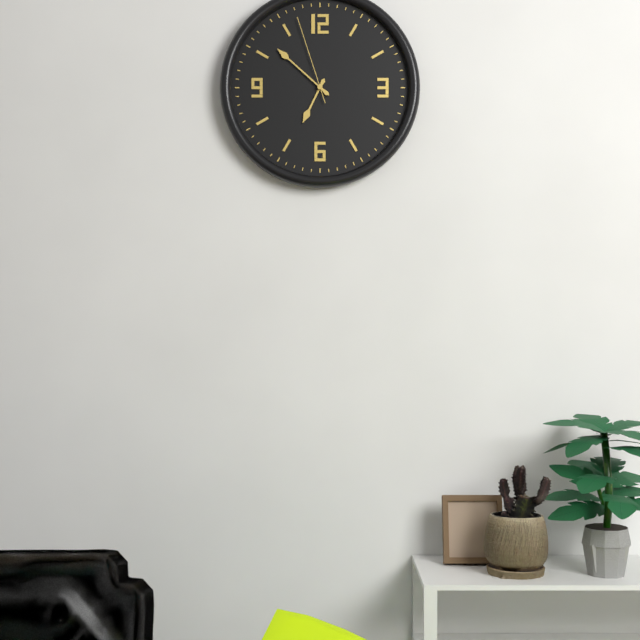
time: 6:52:57
